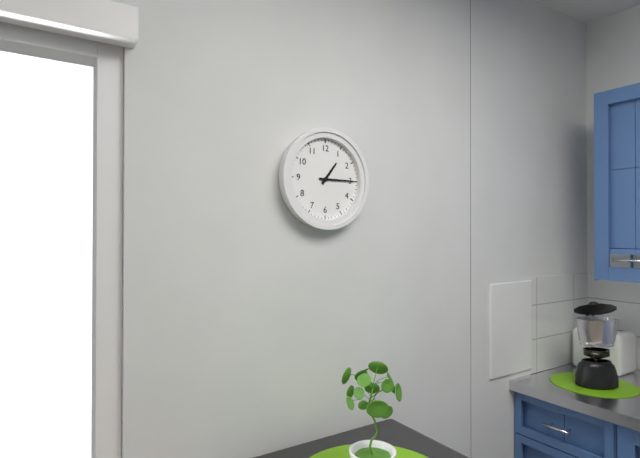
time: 1:15
